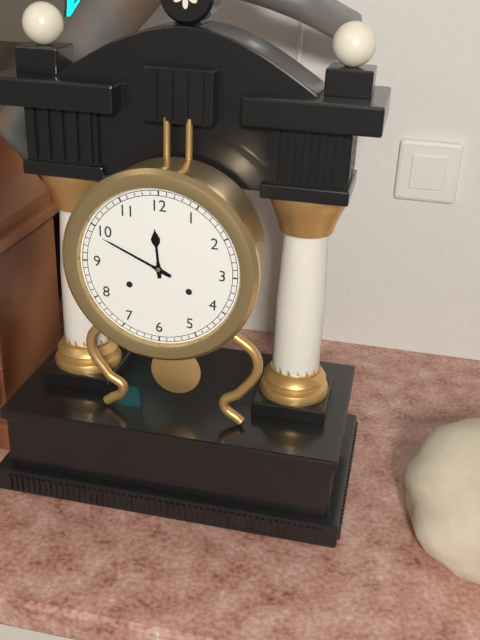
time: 11:49
